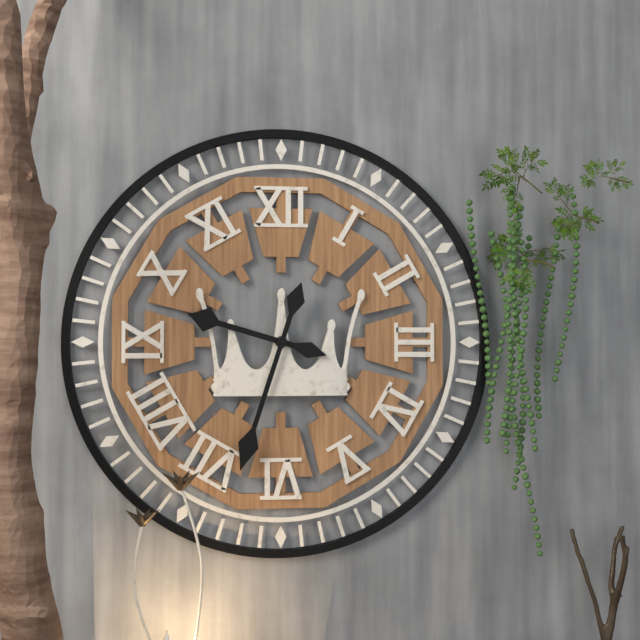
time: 9:33
